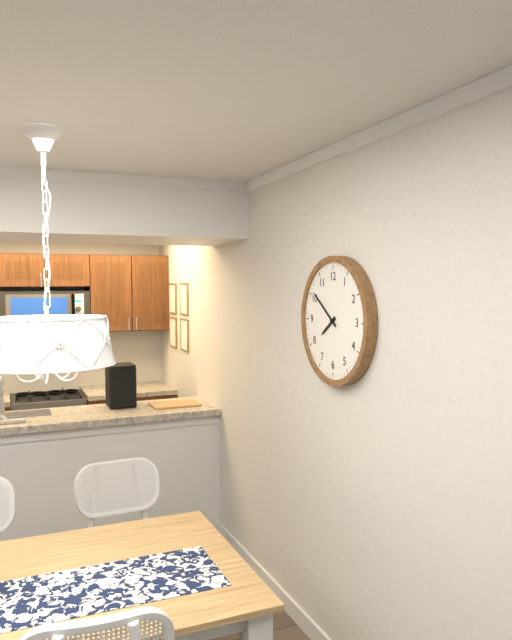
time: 7:51
